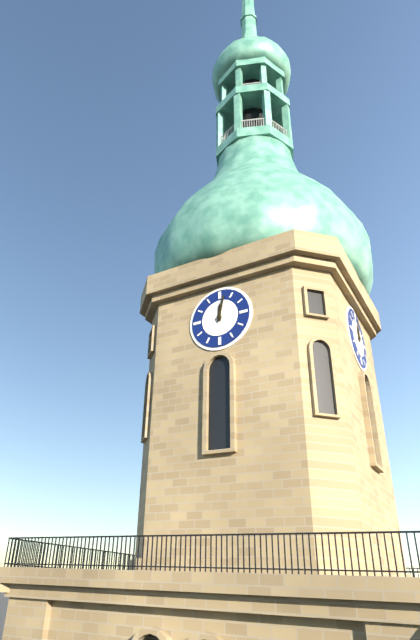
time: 12:02
